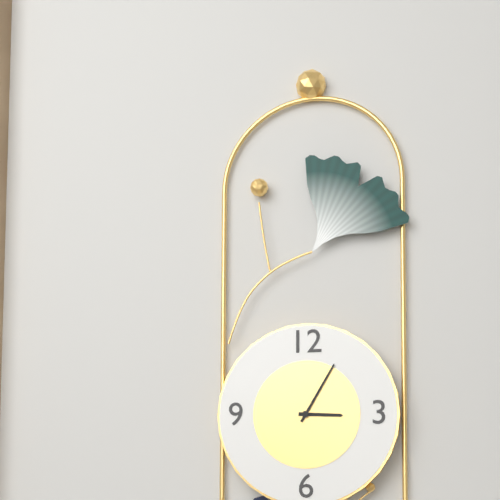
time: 3:05
